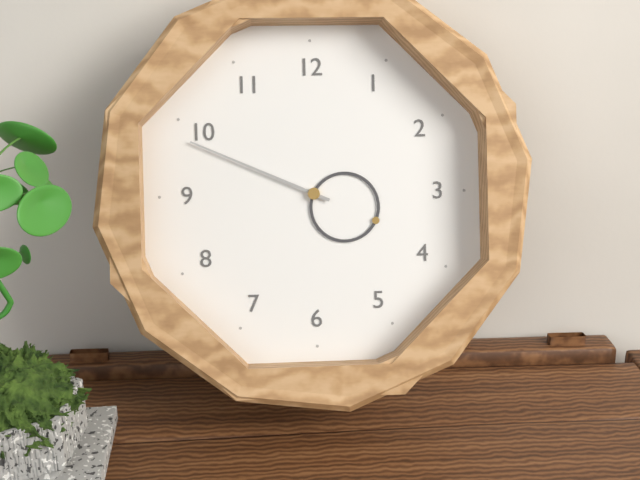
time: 3:49
